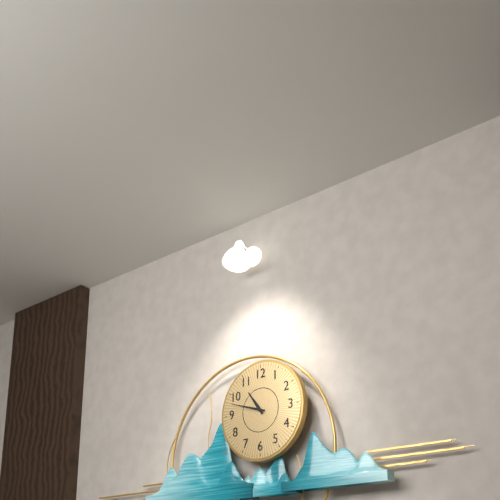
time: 10:48
